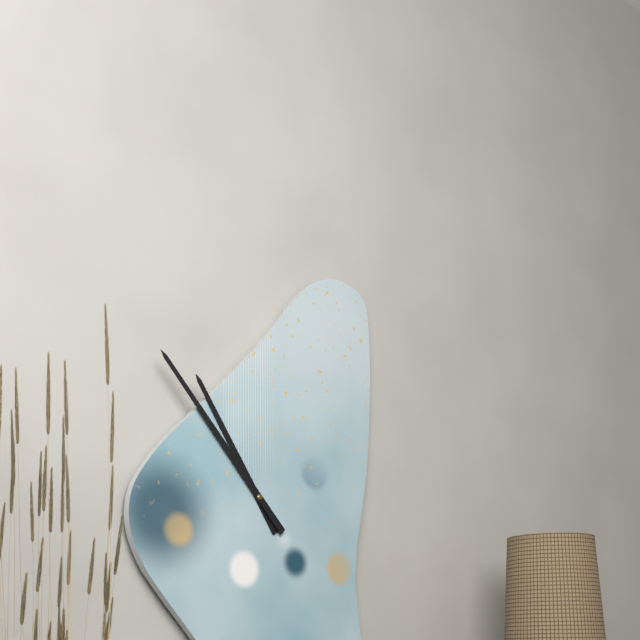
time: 10:53
